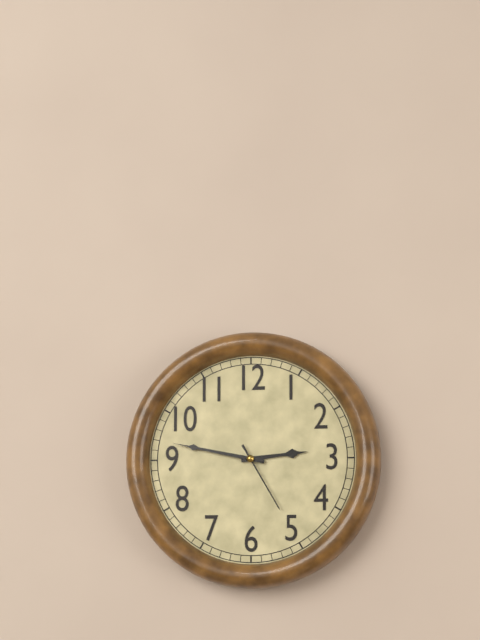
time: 2:47:25
